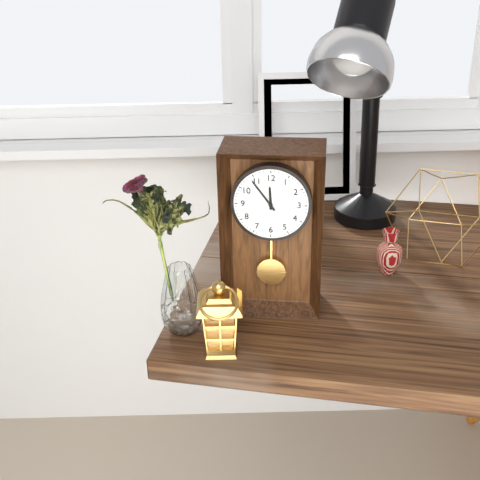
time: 11:54
